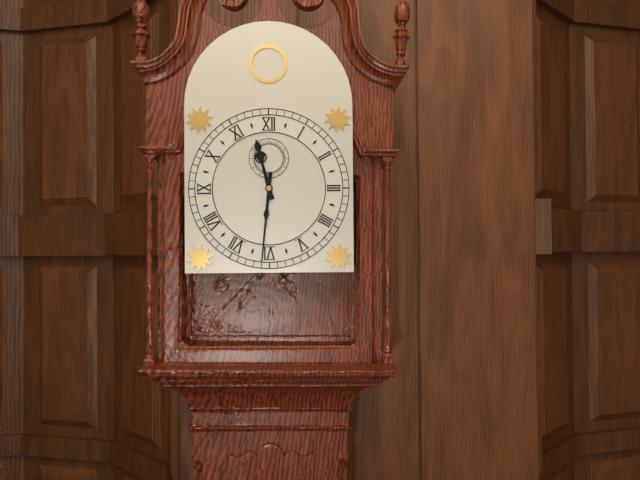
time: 11:31
